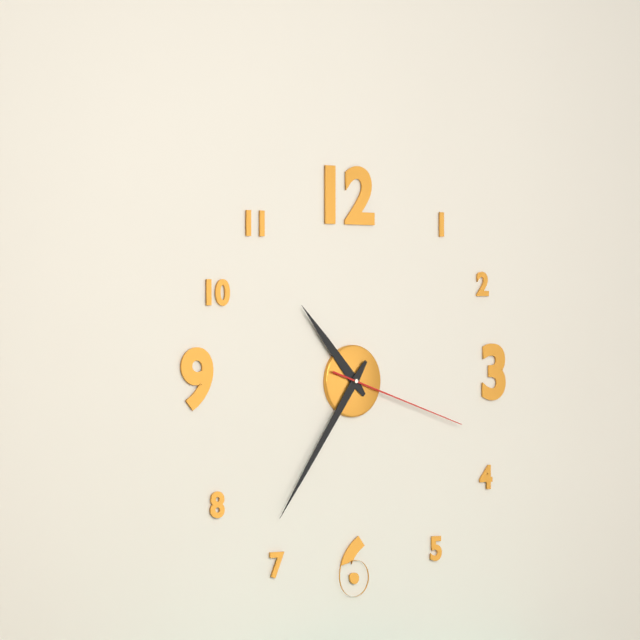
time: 10:36:18
